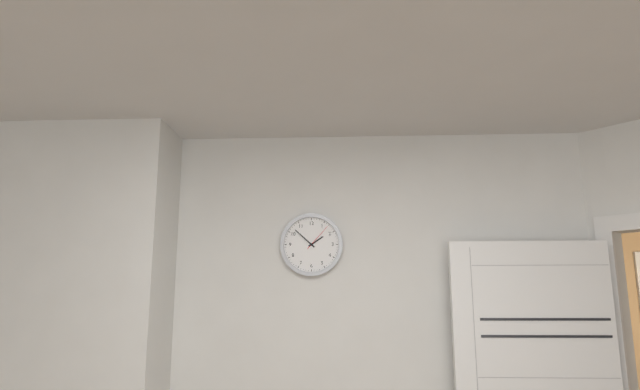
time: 1:52
